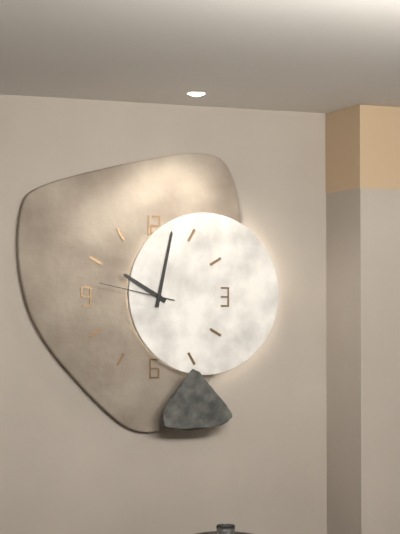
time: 10:02:47
